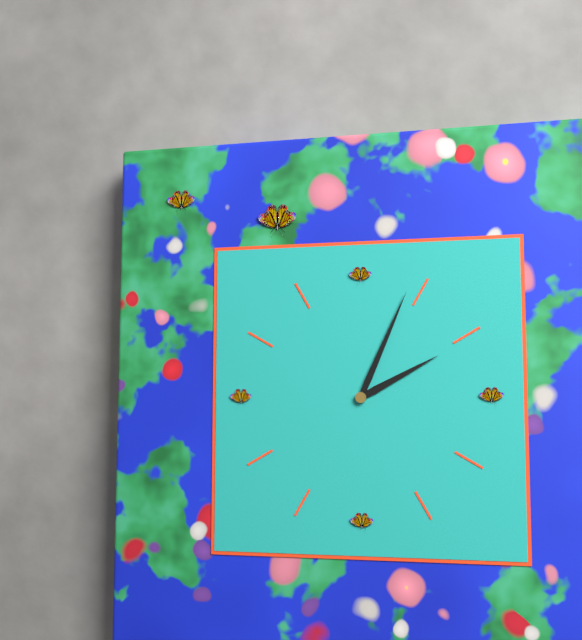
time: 2:04
